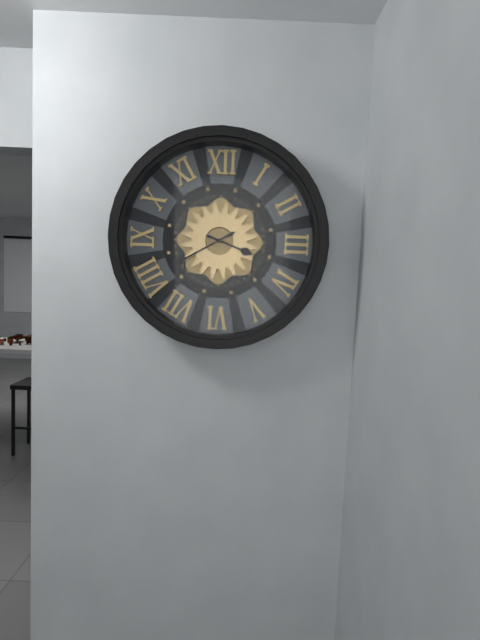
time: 3:40
